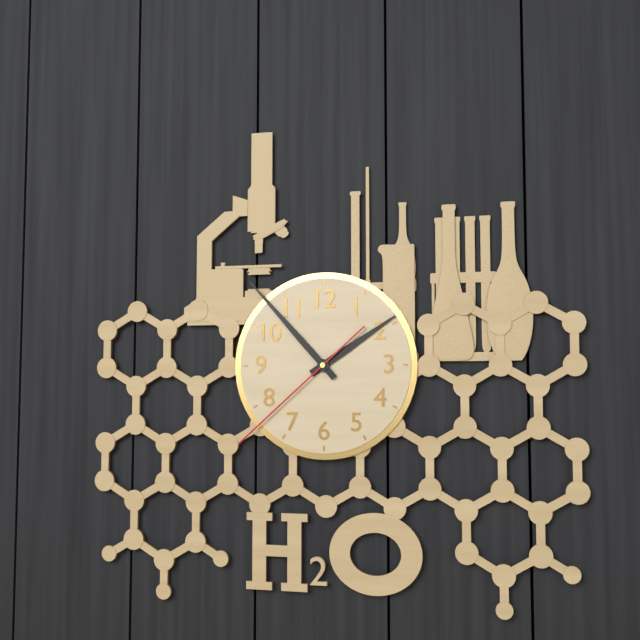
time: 1:53:38
